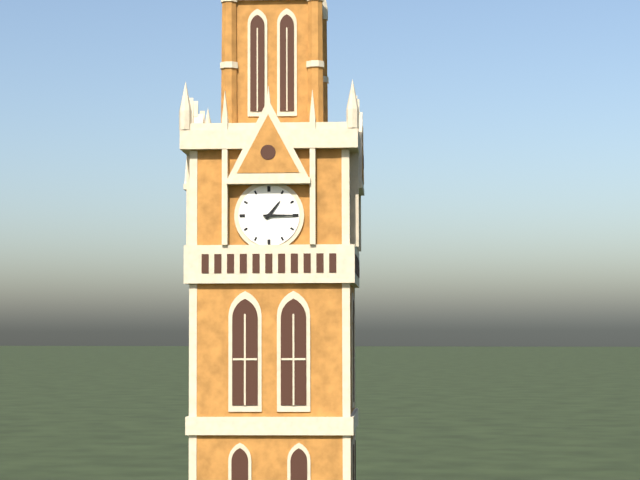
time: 1:15
